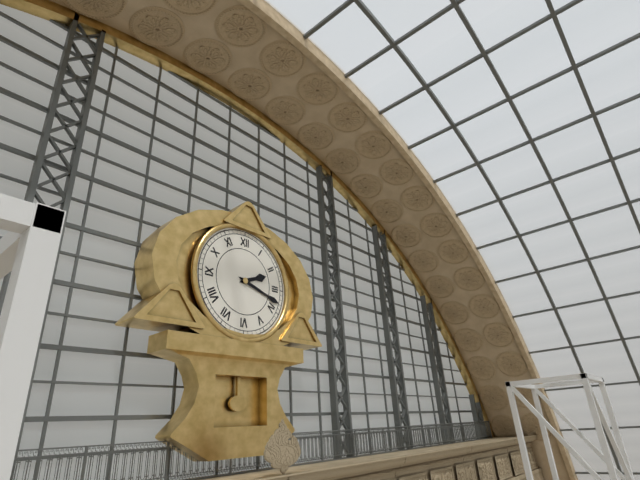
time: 2:18
